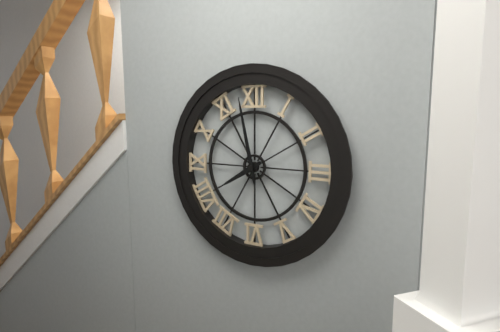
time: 7:58
